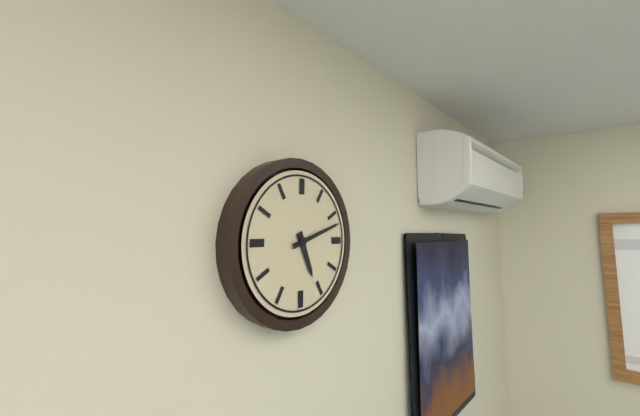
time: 5:12
